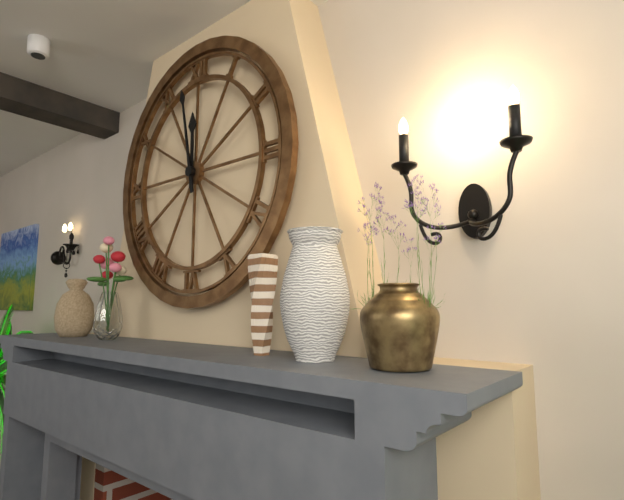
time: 11:58
